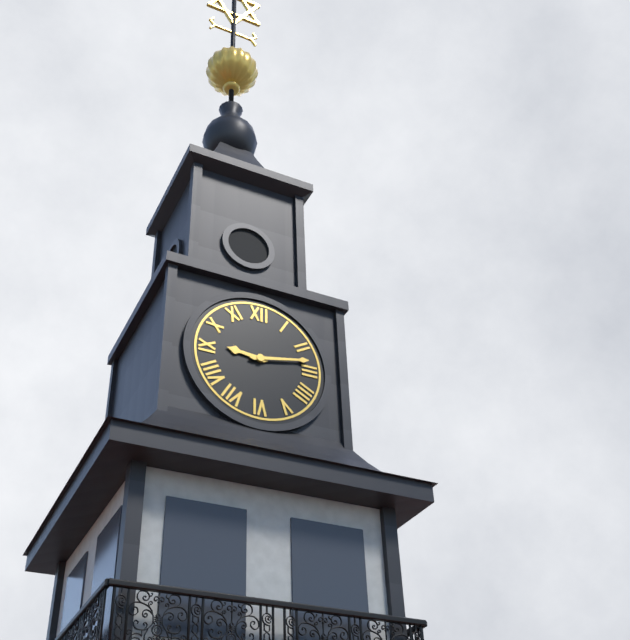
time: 9:13
